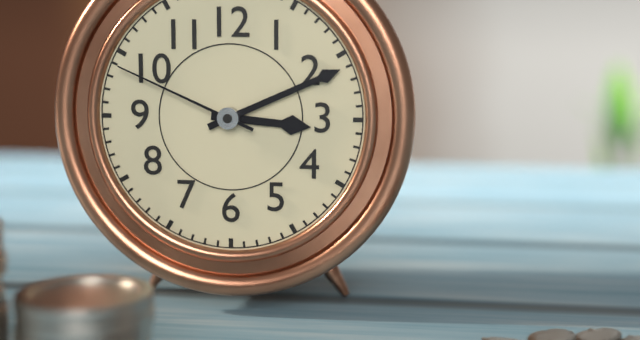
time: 3:11:49
